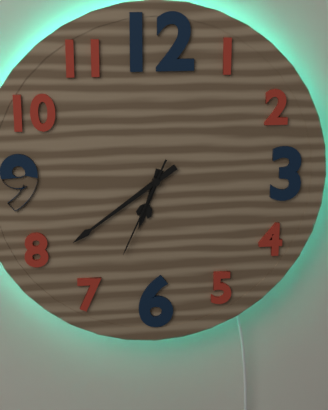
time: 6:39:34
